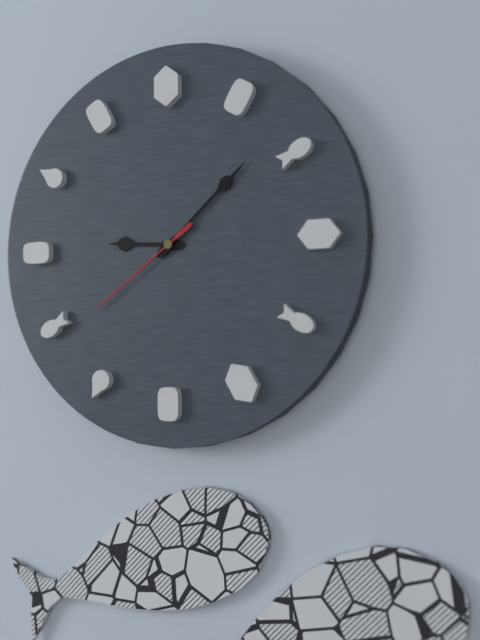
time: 9:08:39
